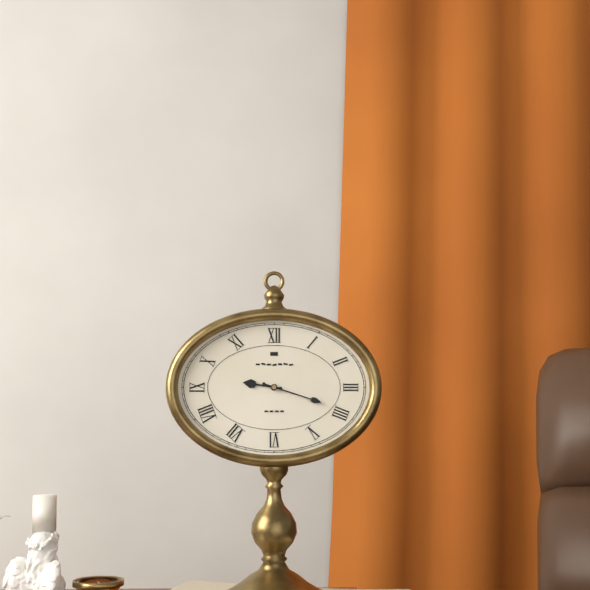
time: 9:18
